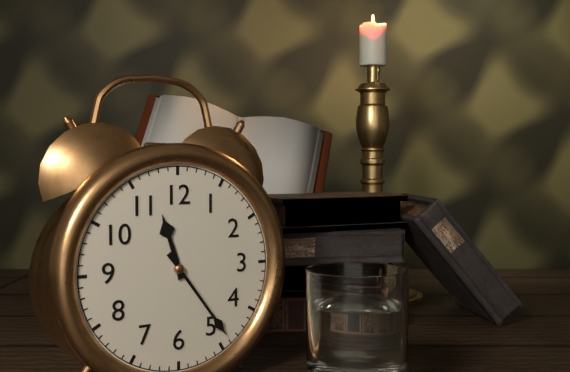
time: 11:24
